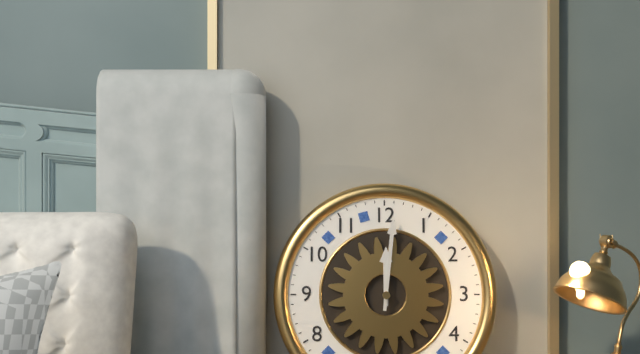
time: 12:01
